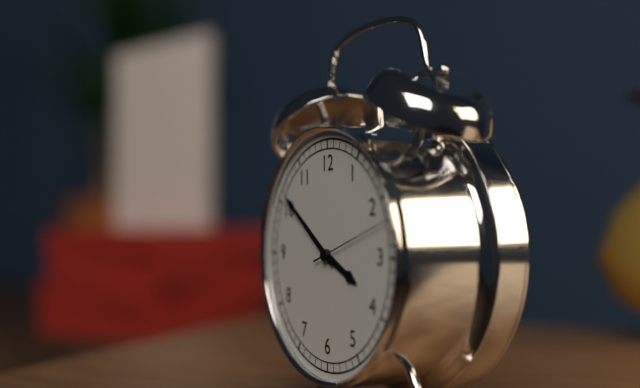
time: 3:51:12
